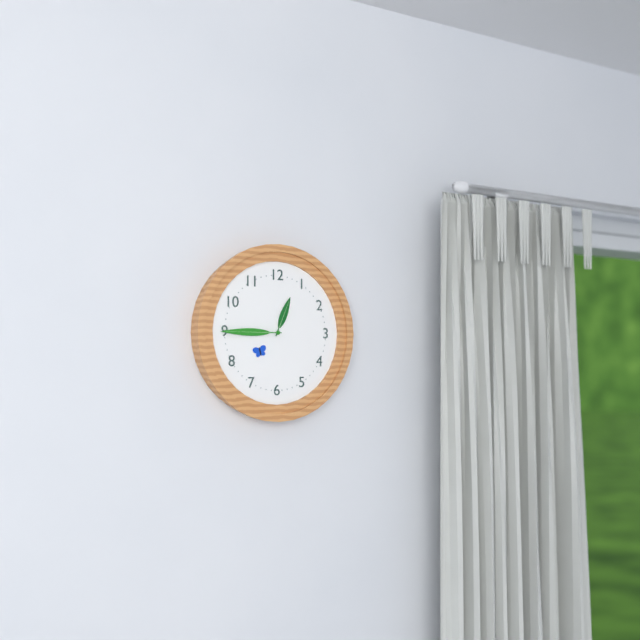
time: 12:45
